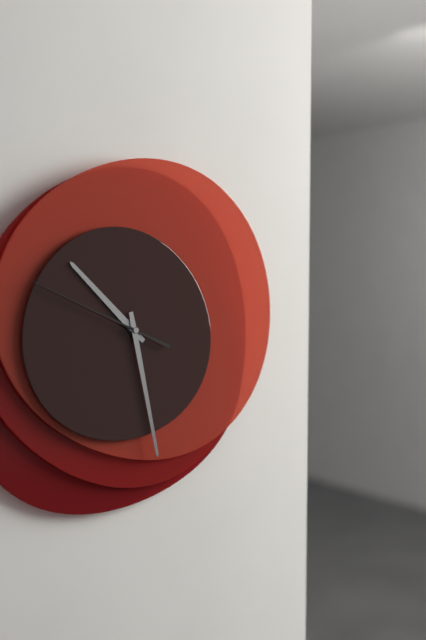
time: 10:28:49
